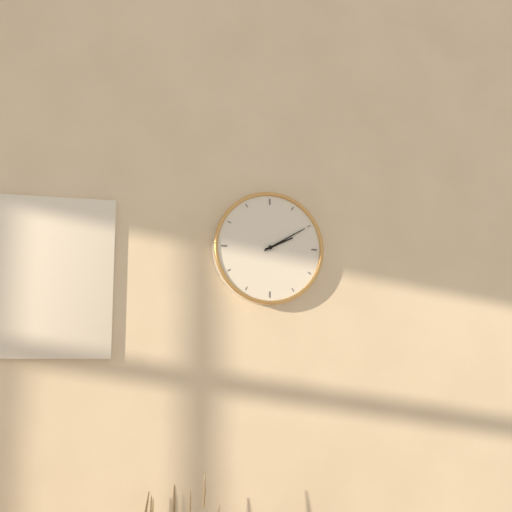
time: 2:10
